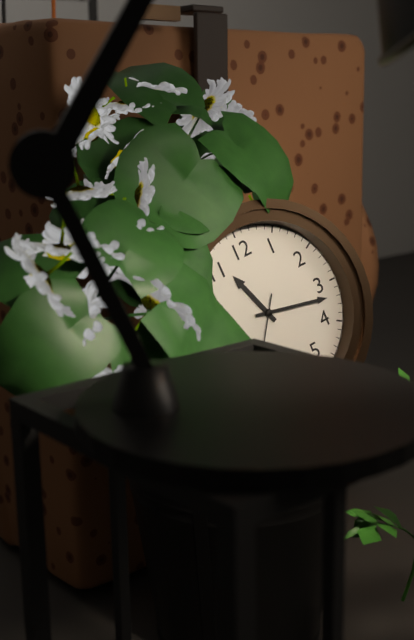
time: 11:17
